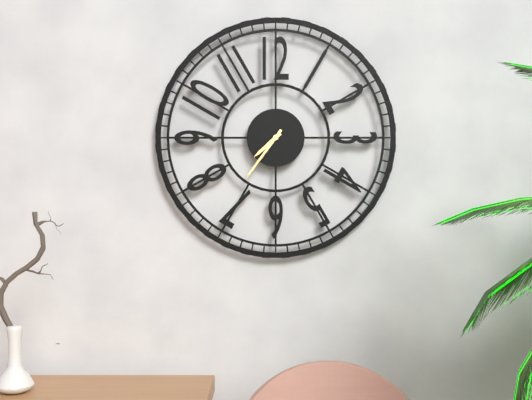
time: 7:36
